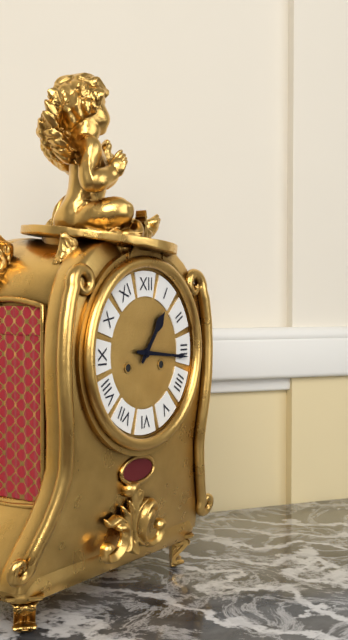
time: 1:16
